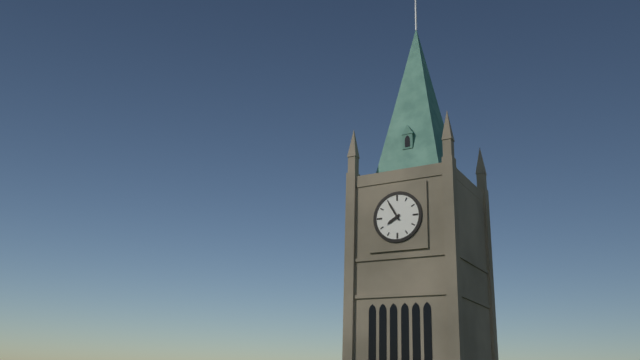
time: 7:55
